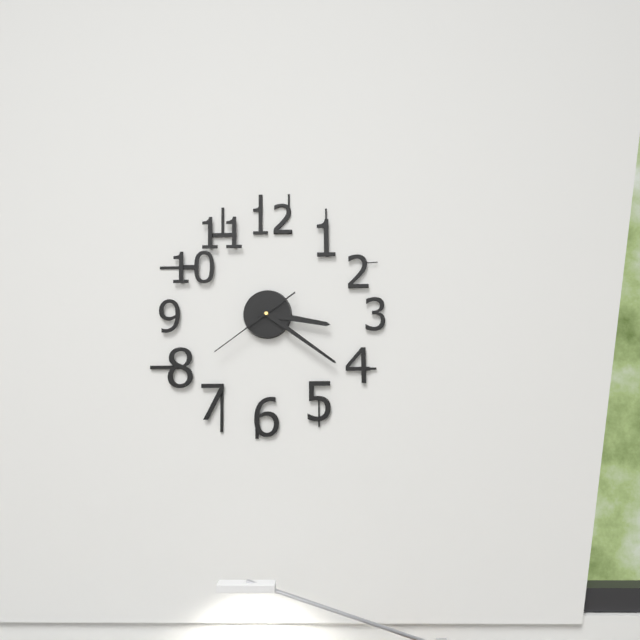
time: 3:21:39
